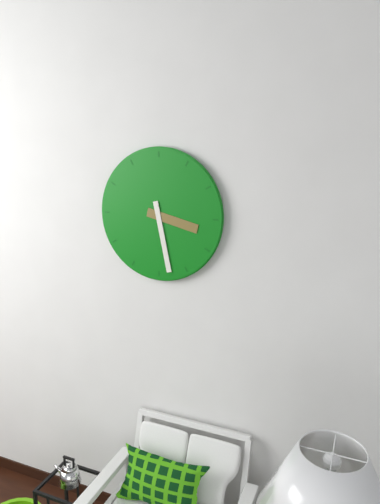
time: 3:28
